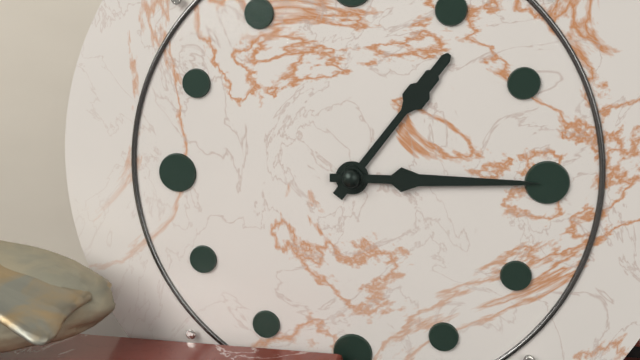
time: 1:15
